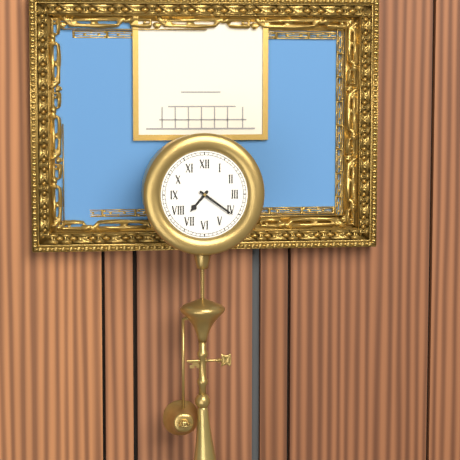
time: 7:21
